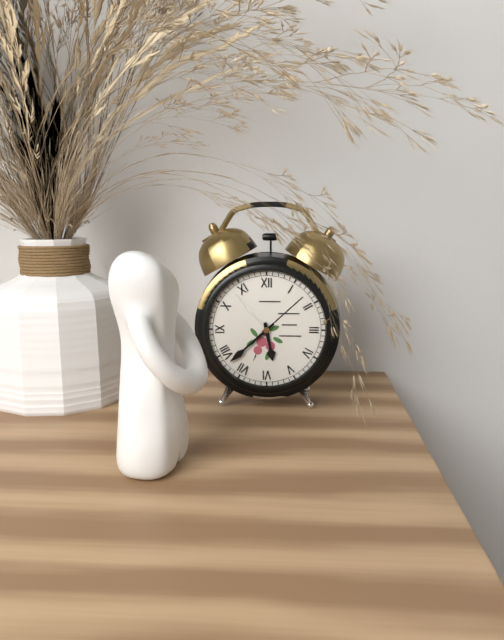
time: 5:38
